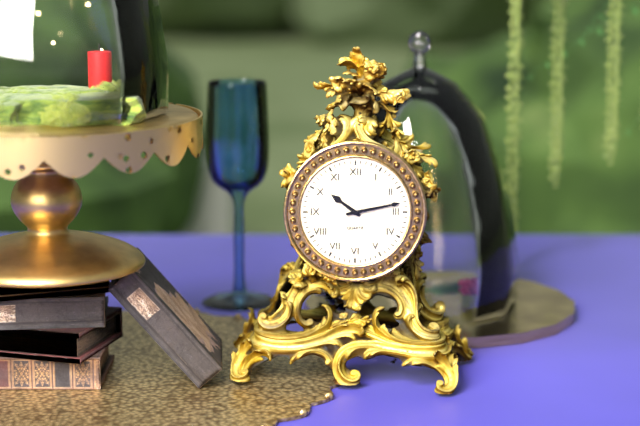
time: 10:13
